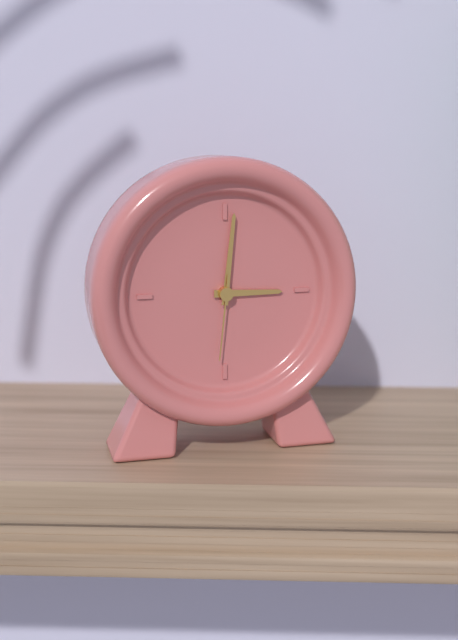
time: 3:01:31
